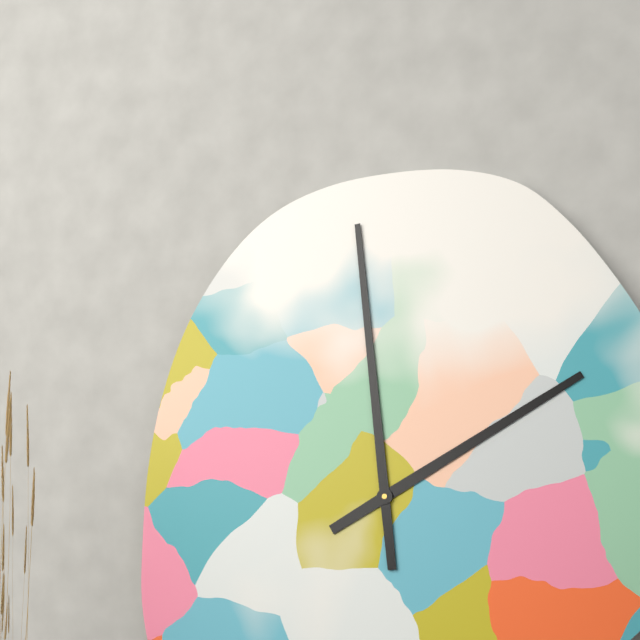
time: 1:59
